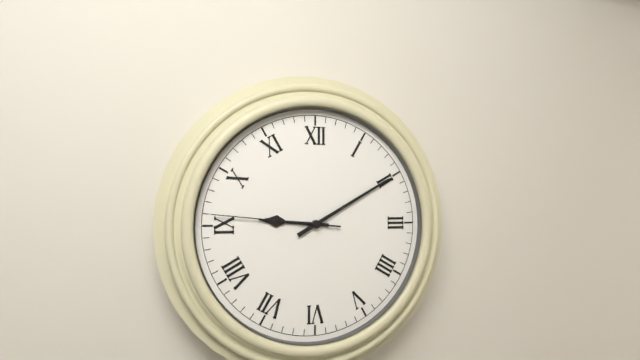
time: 9:10:46
